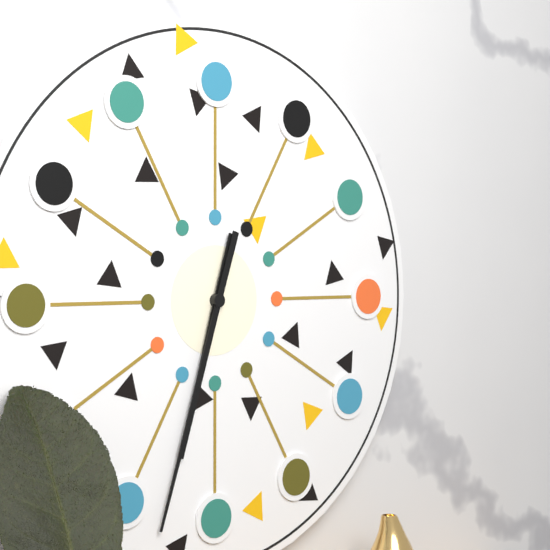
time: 6:33
